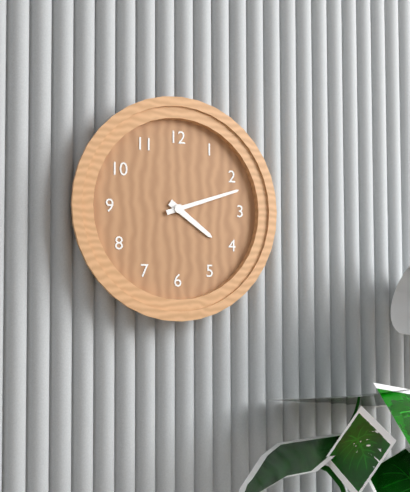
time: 4:12
